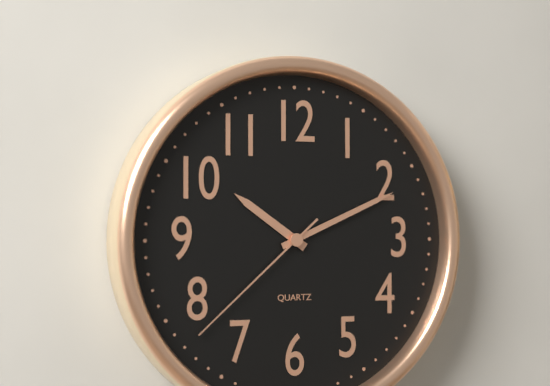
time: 10:11:38
